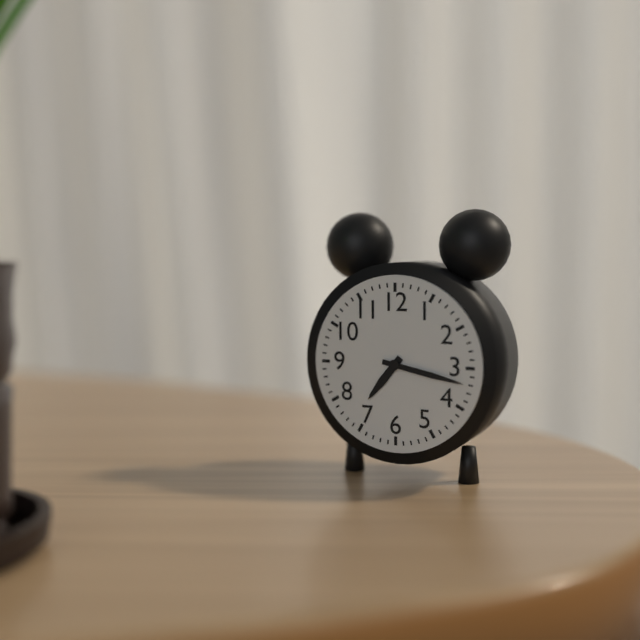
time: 7:17
